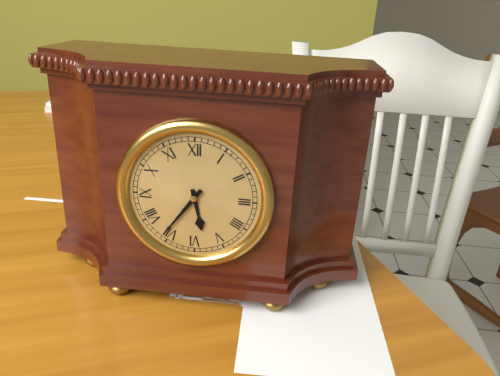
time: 5:36
